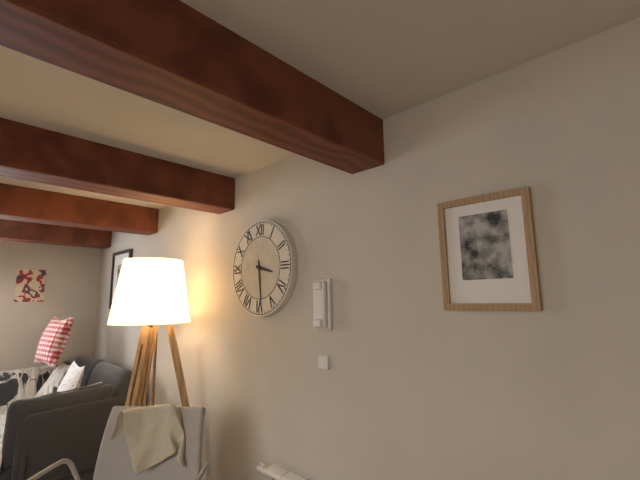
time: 3:29
